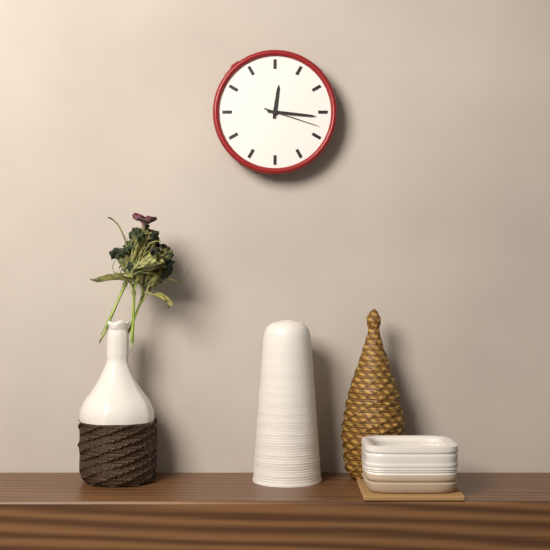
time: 12:16:18
